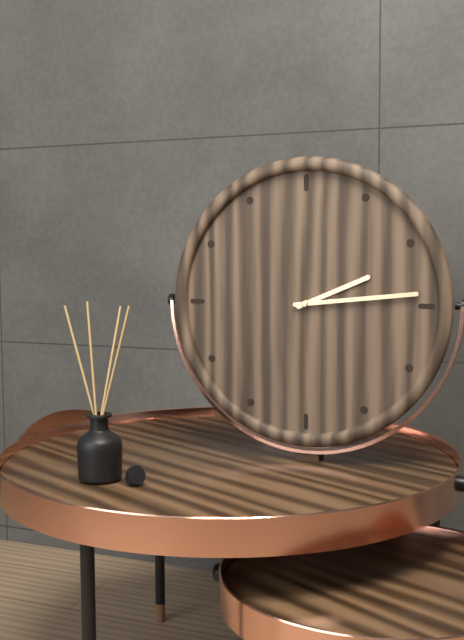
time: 2:14
